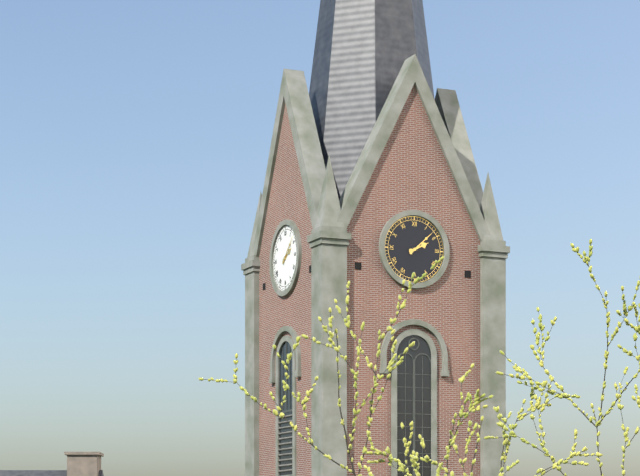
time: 2:08
